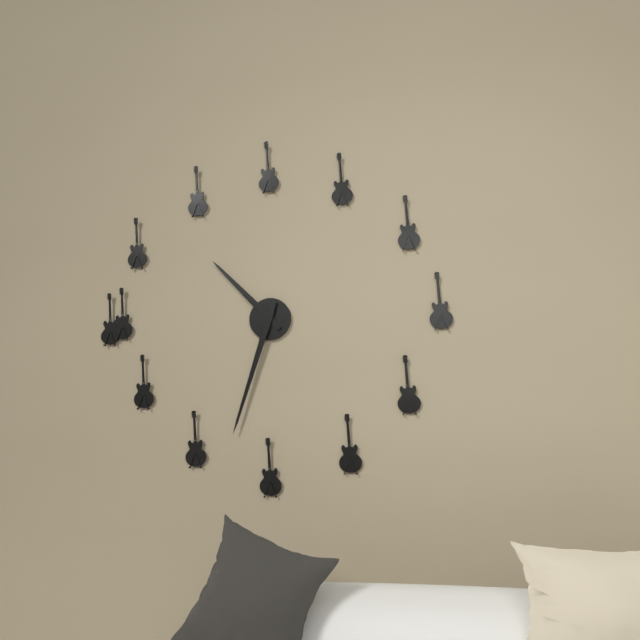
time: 10:33
